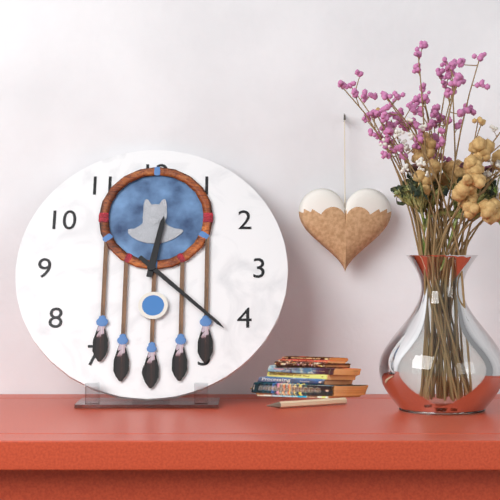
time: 12:22
